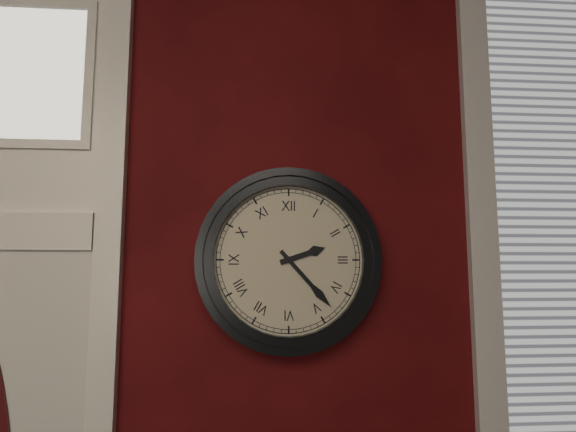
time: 2:23
